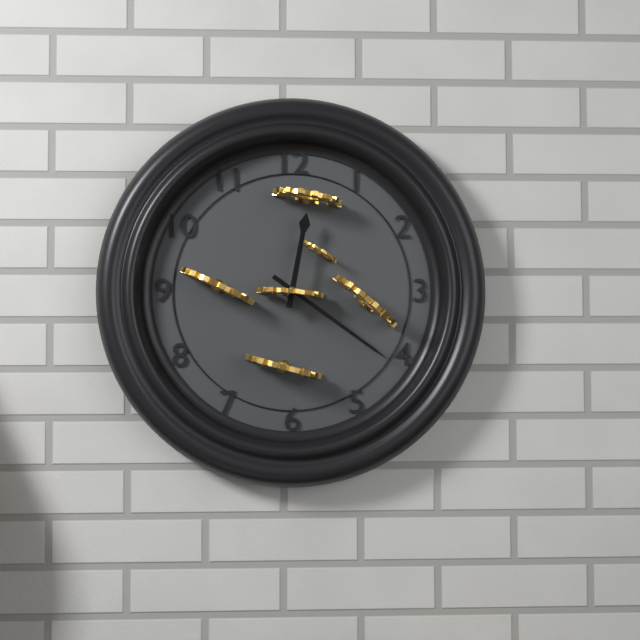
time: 12:21
